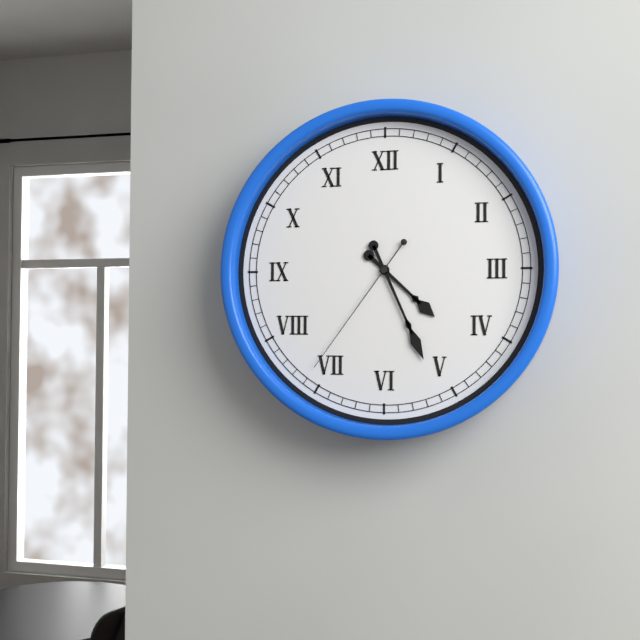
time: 4:26:36
